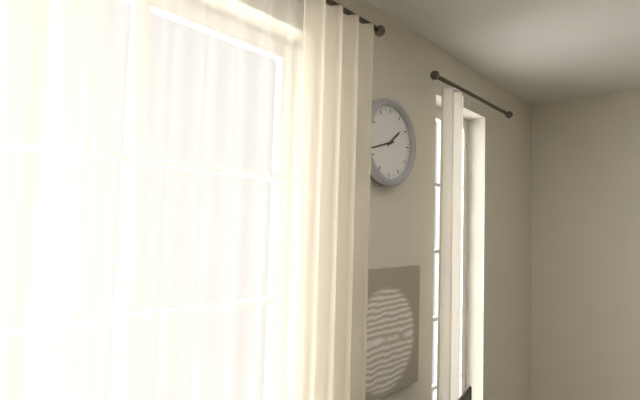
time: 1:42
